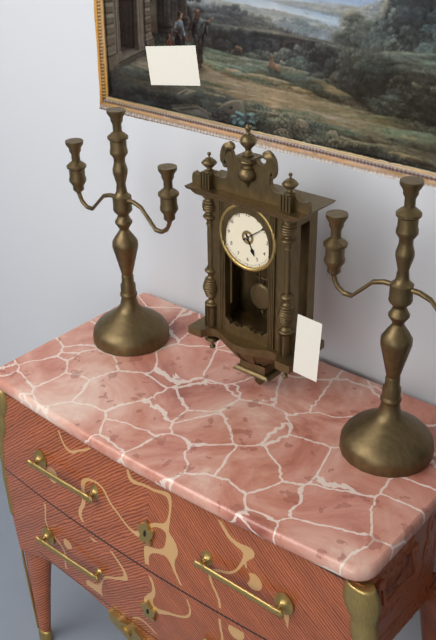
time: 5:09
